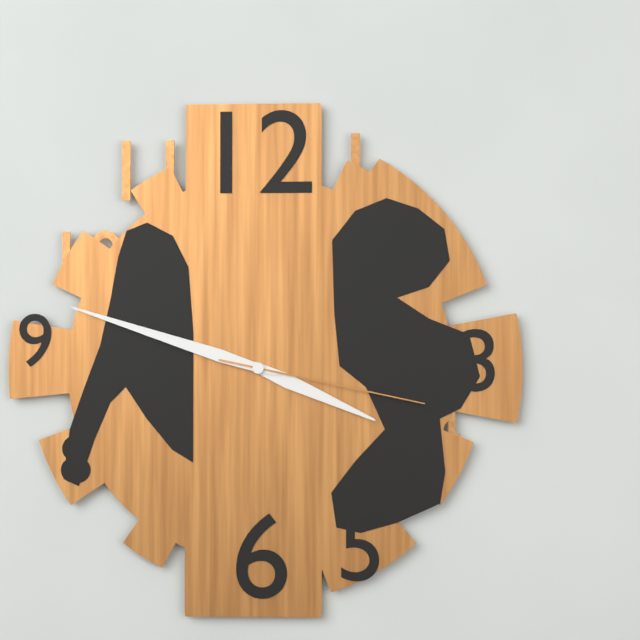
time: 3:48:17
